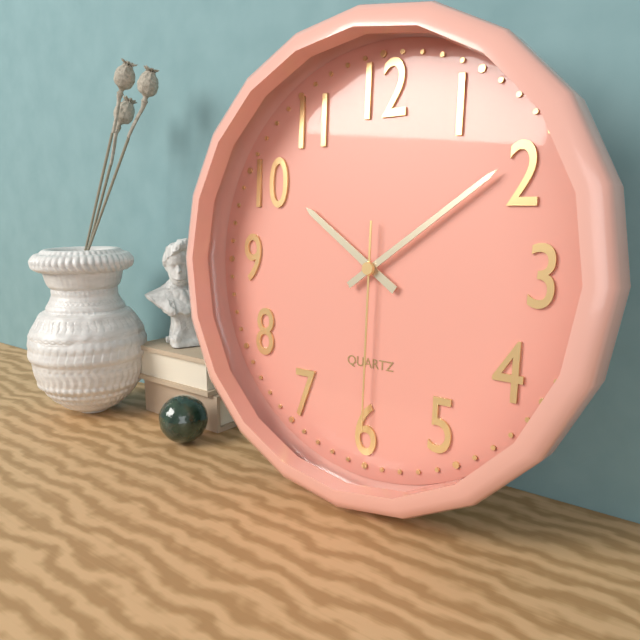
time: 10:09:30
